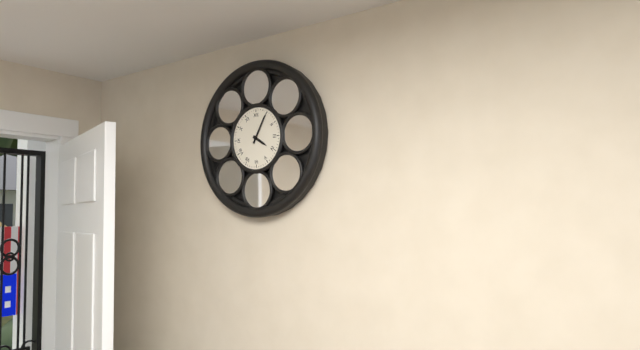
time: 4:05
